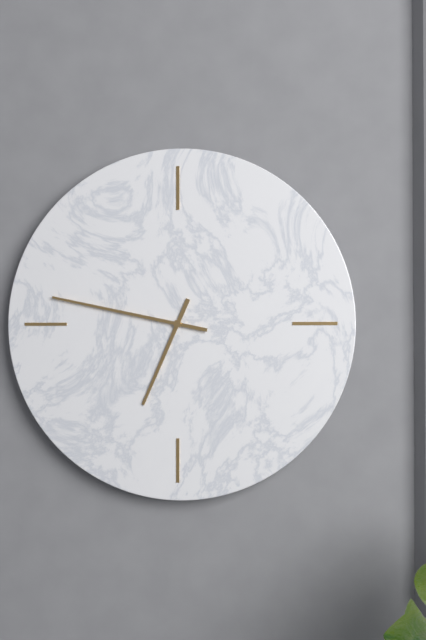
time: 6:47
